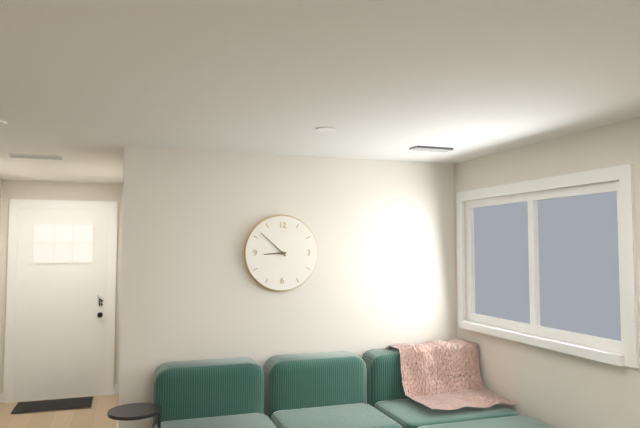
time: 8:52
